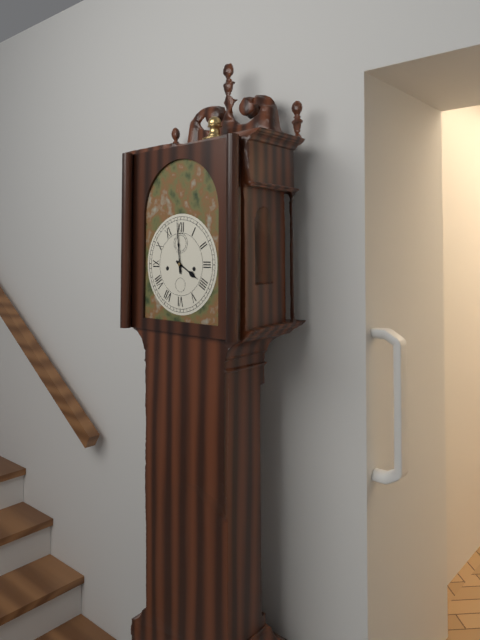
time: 3:59
